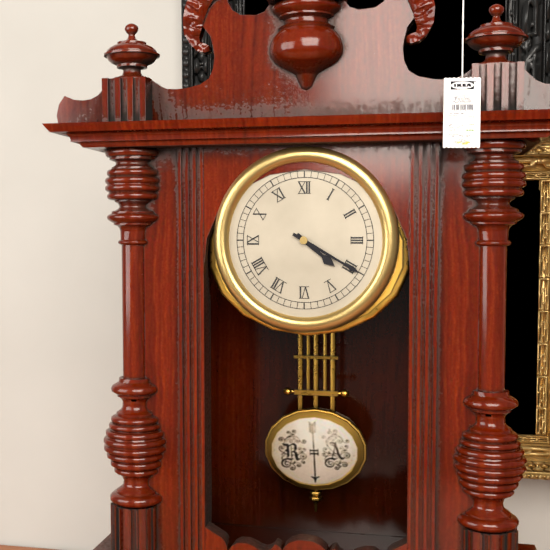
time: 4:20
